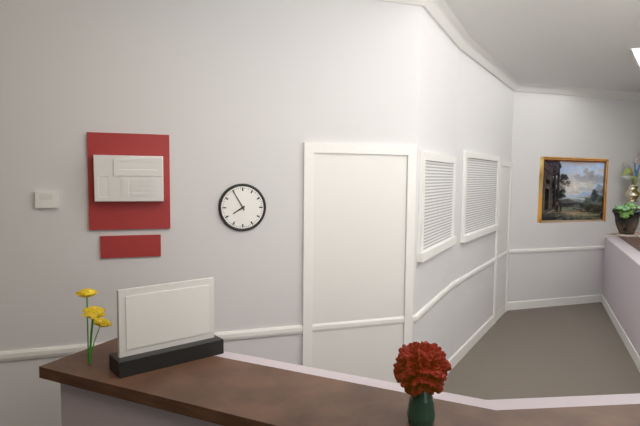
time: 7:55
